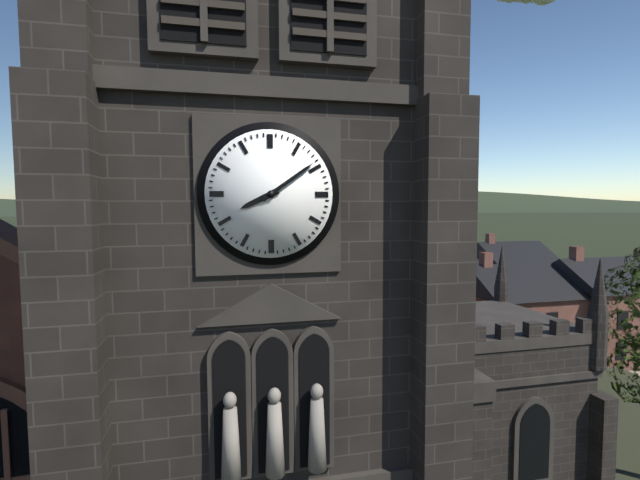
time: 8:09
